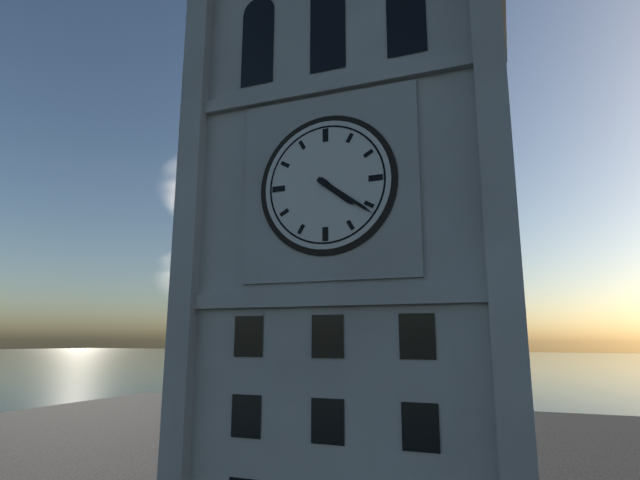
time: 4:21
